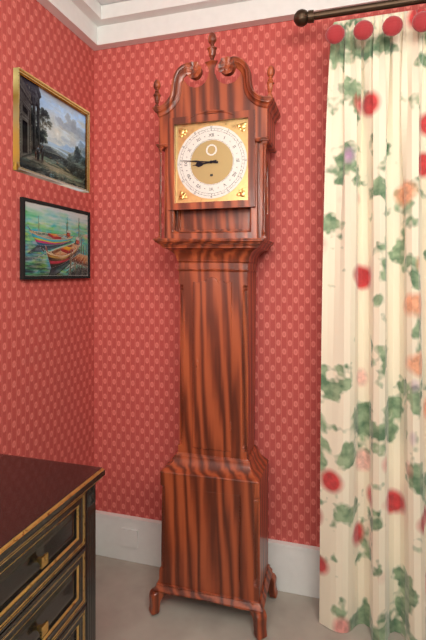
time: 8:46
